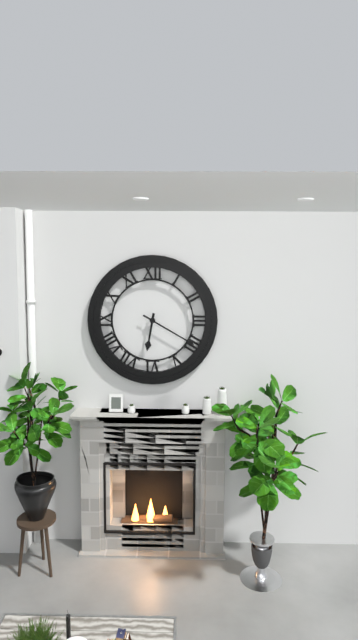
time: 6:20
